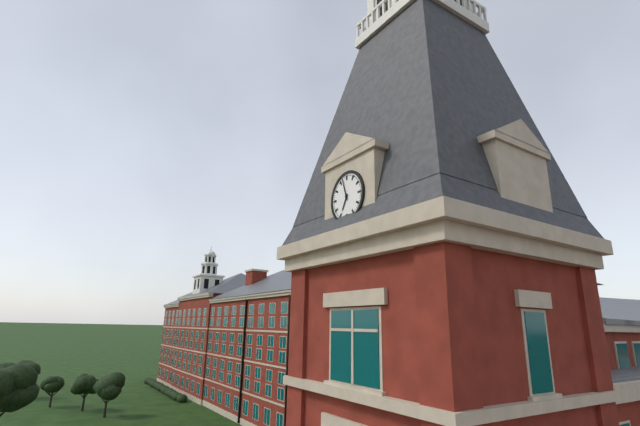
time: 6:57
